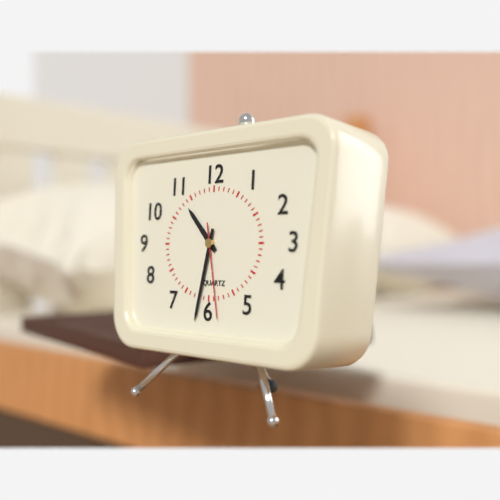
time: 10:32:28
